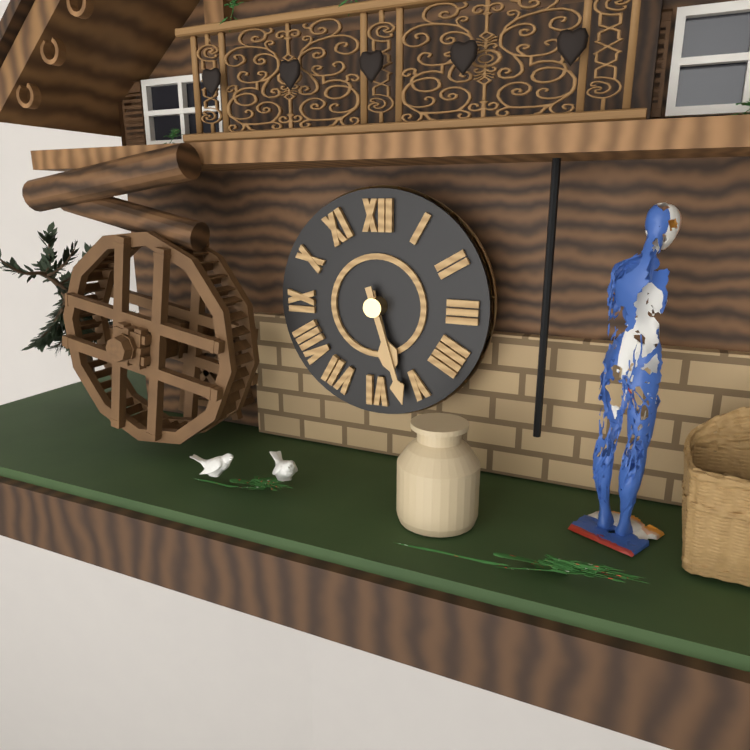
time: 5:27
